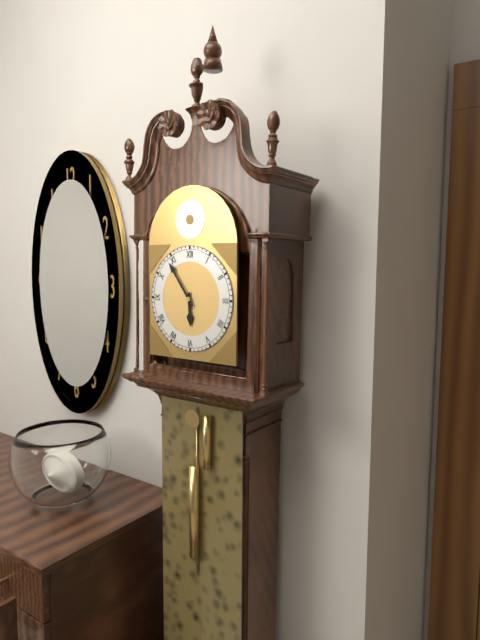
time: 5:54
